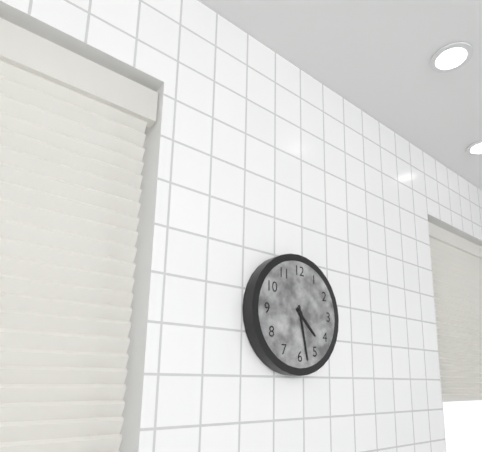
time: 4:28
